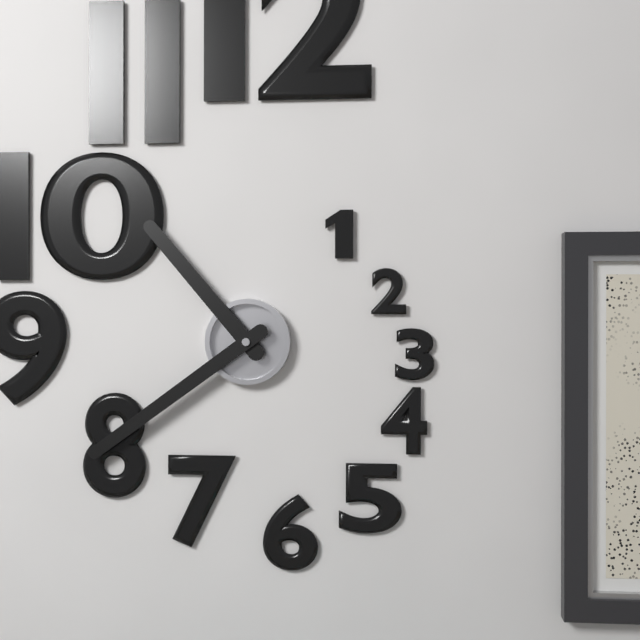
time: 10:39
